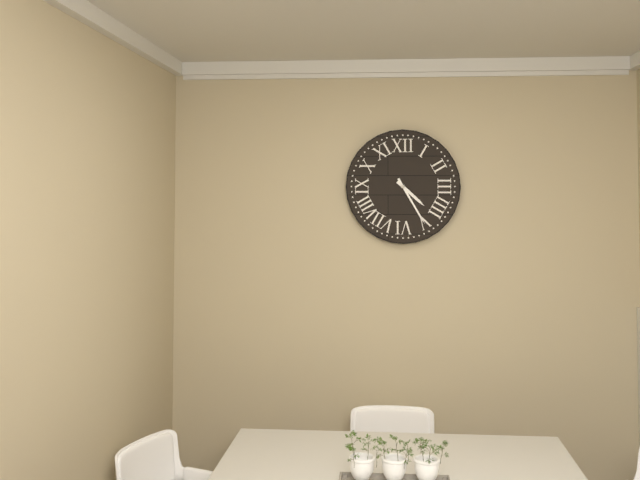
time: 4:25
